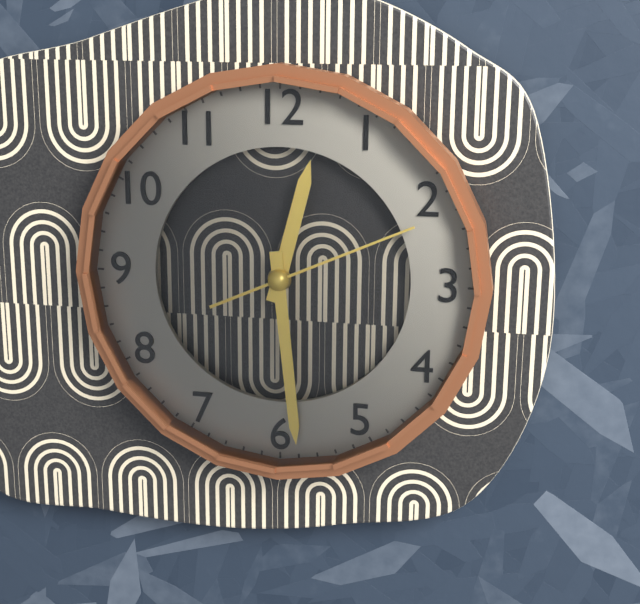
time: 12:29:11
